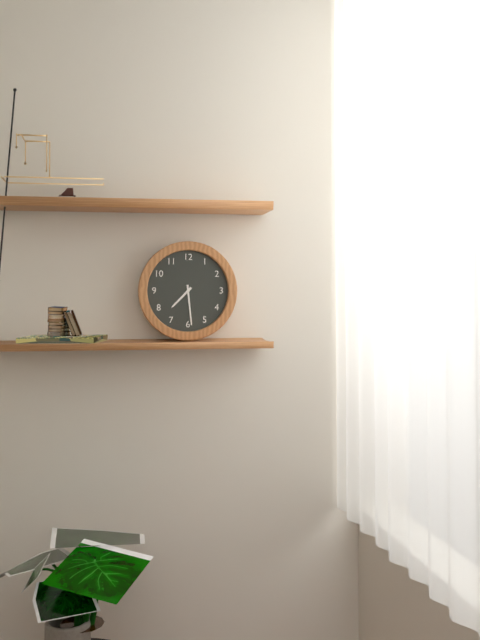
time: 7:29
